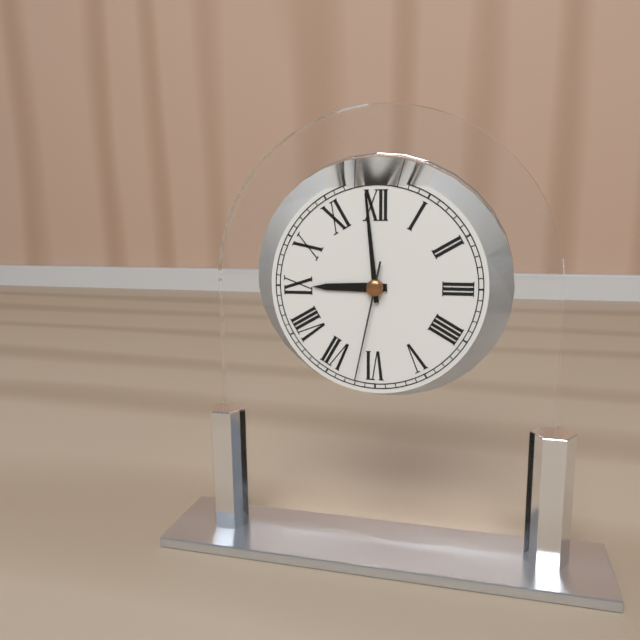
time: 8:59:32
